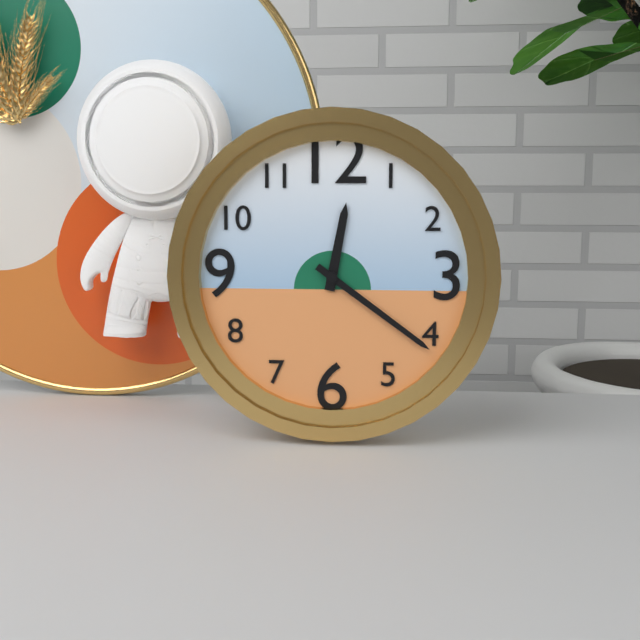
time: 12:21
